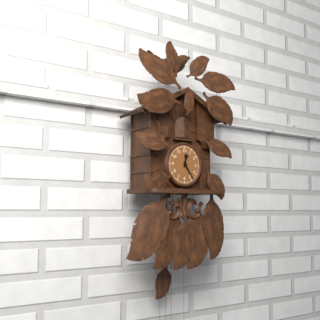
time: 12:24
